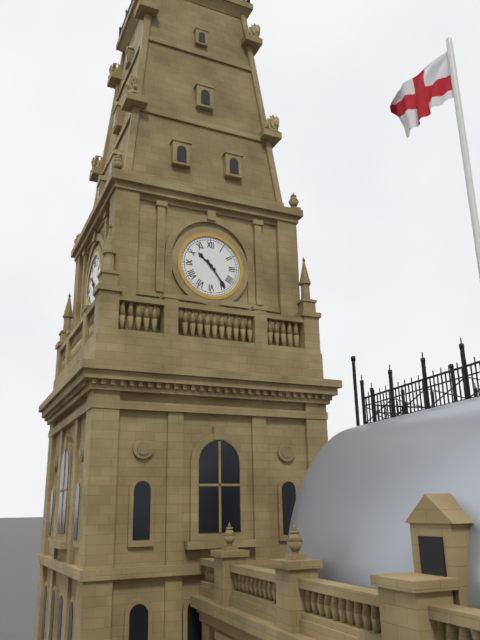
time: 10:24
